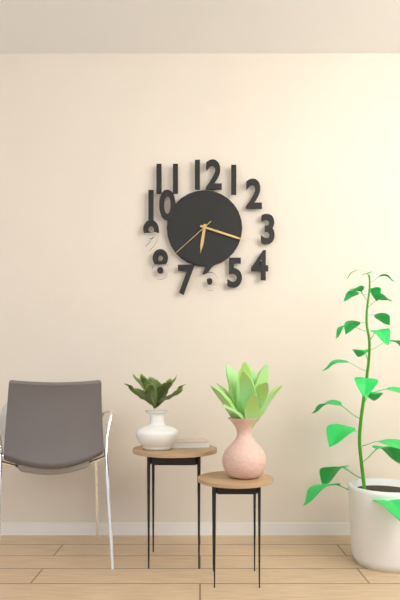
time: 6:18:38
